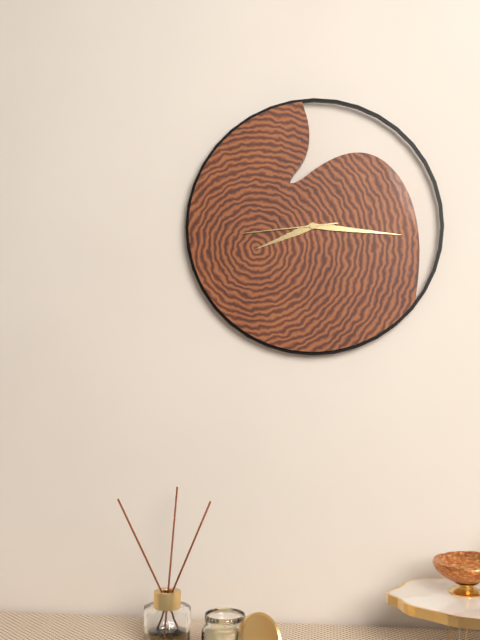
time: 8:16:44
